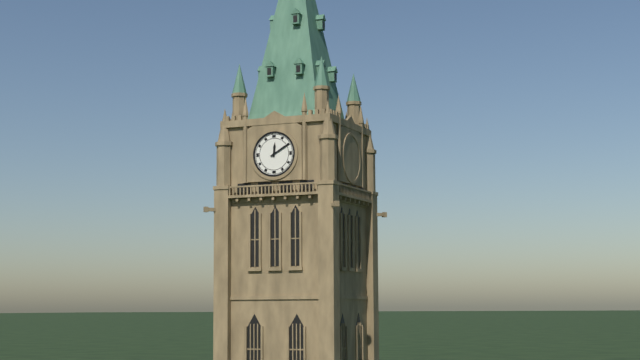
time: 12:10
